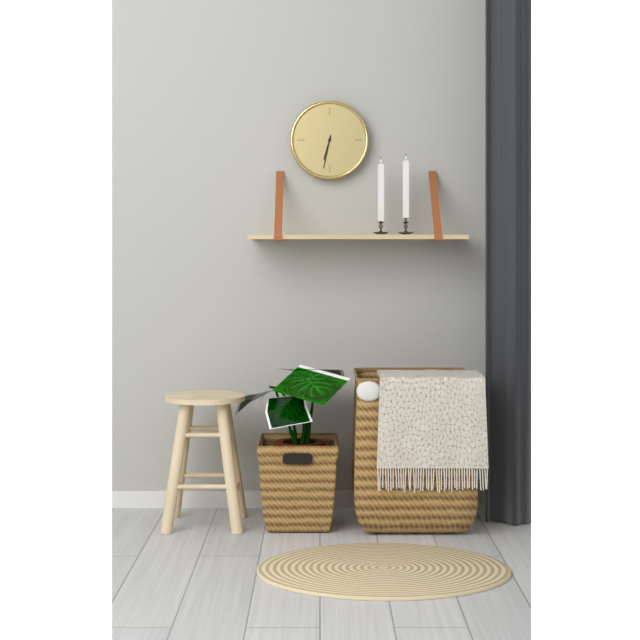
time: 6:32
